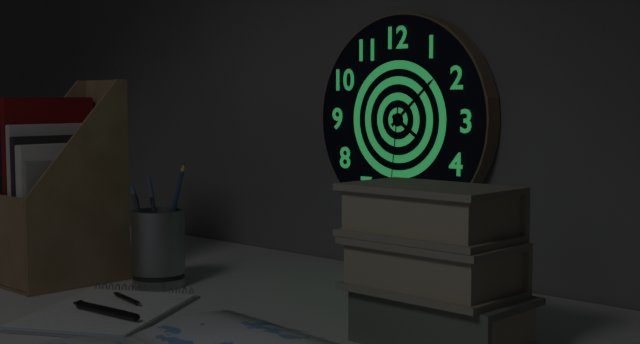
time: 4:08:31
